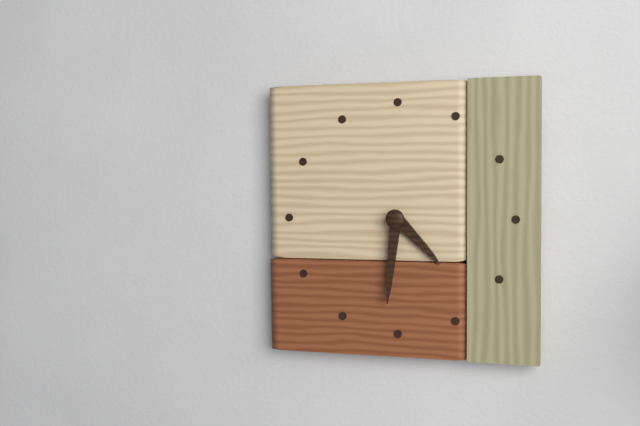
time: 4:31
